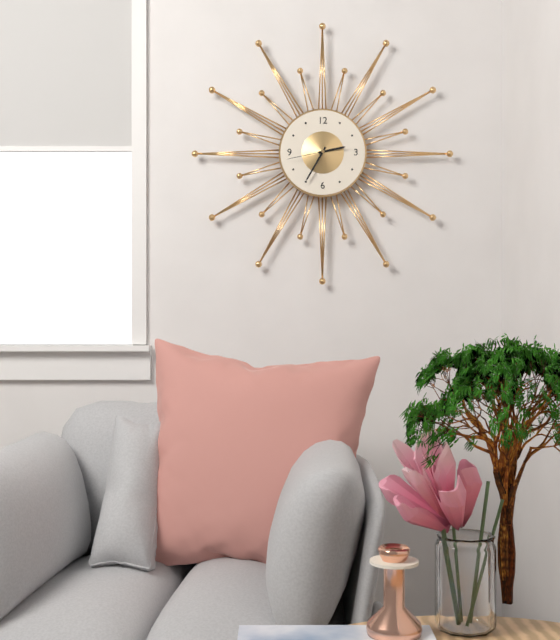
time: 2:35
